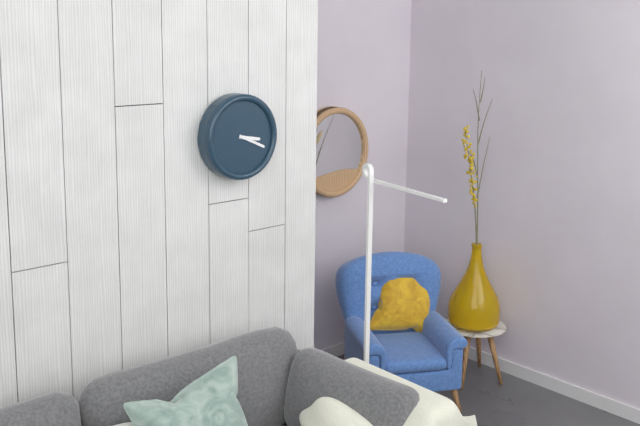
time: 3:19
